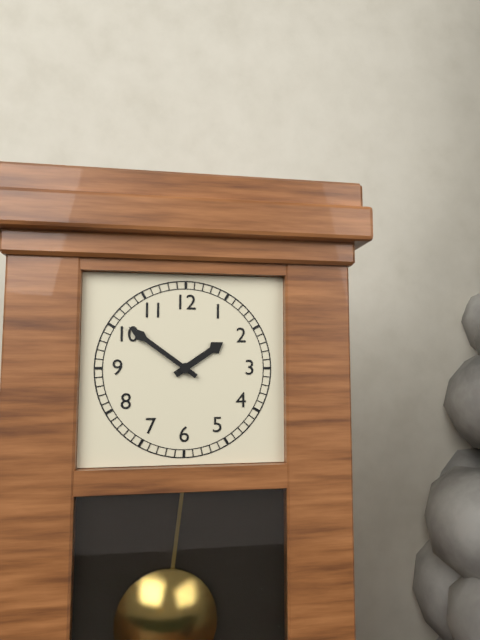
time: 1:51
